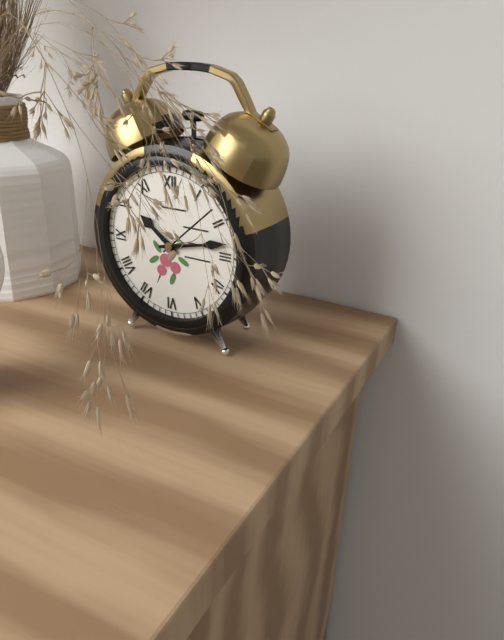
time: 10:13
